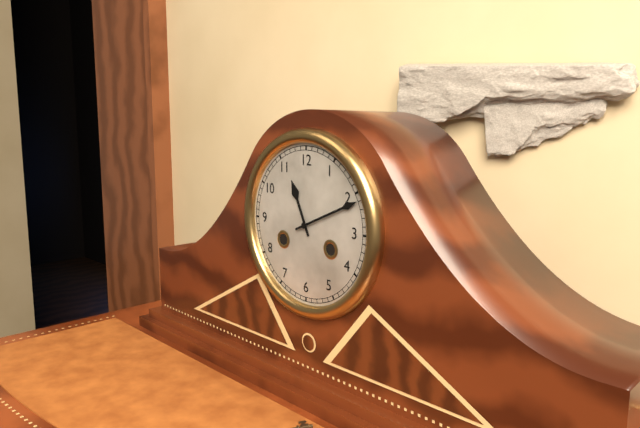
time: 11:11
